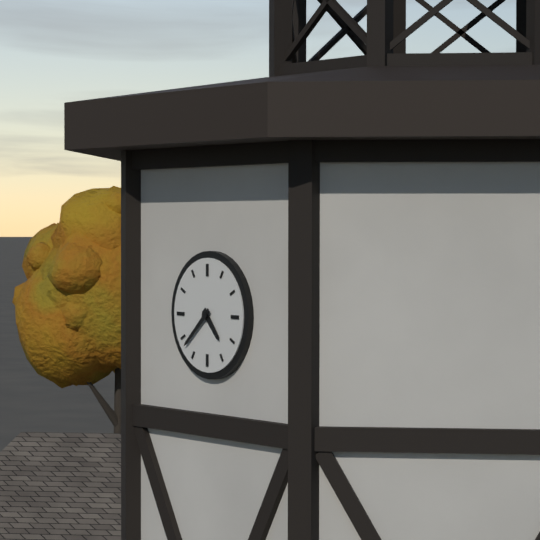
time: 4:38
